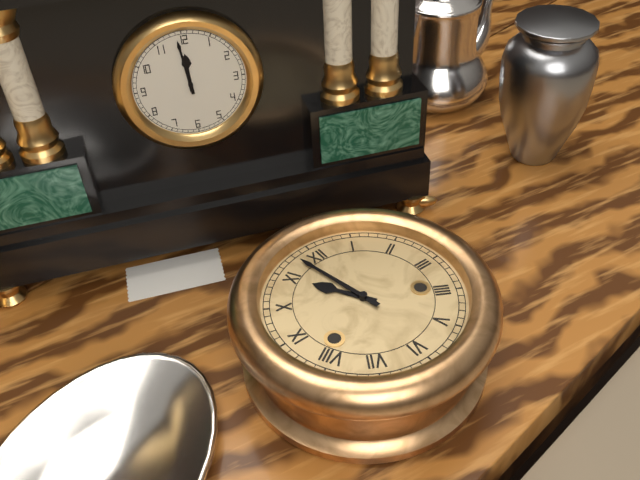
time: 10:58
